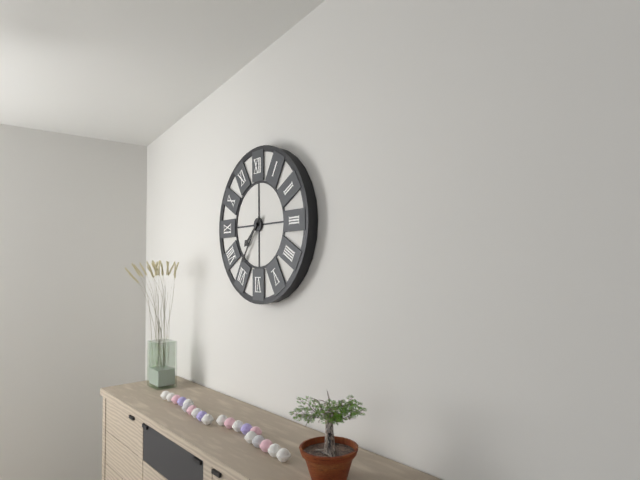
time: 7:36
